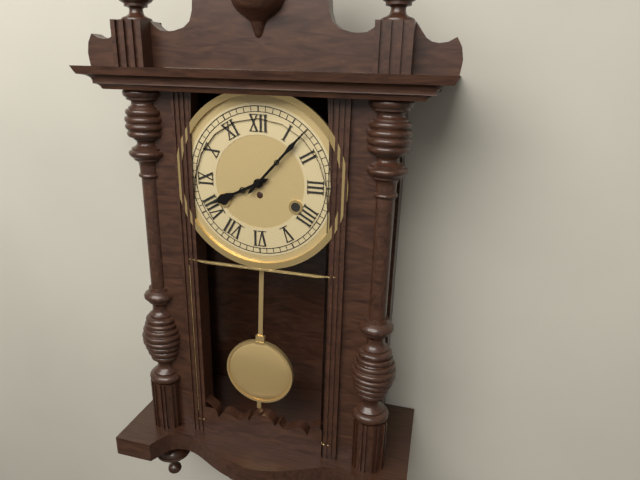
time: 8:07
